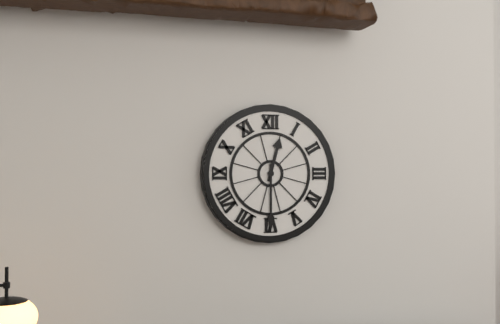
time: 12:30
